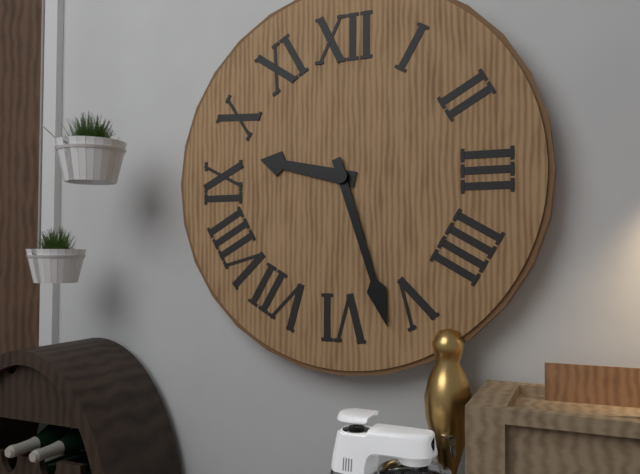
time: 9:27
